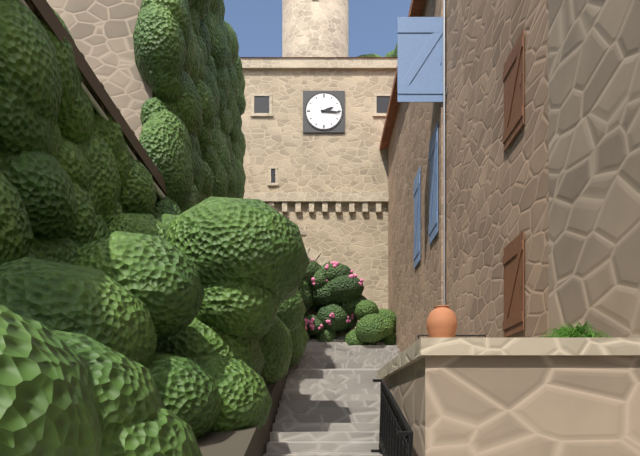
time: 2:16
